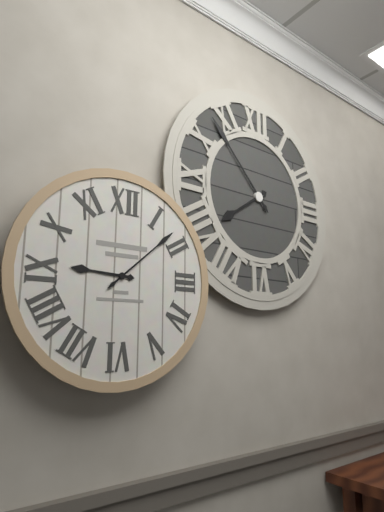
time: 9:08
